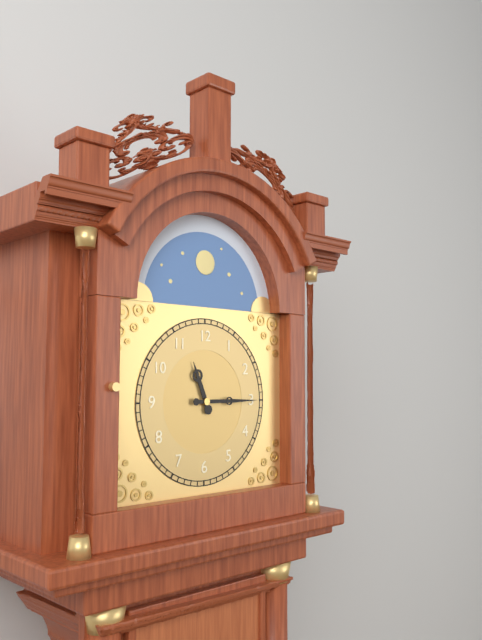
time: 11:15
